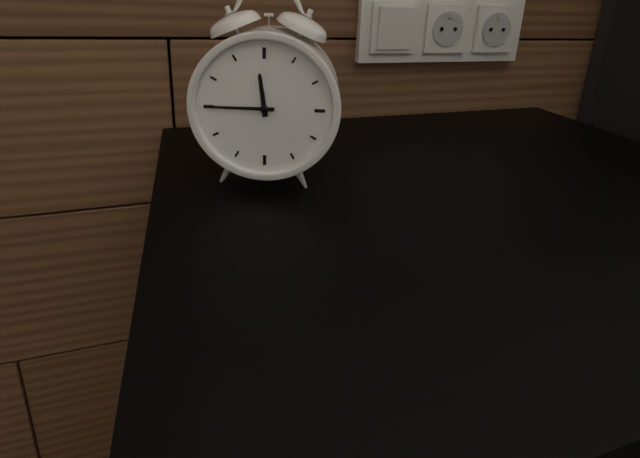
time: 11:45
